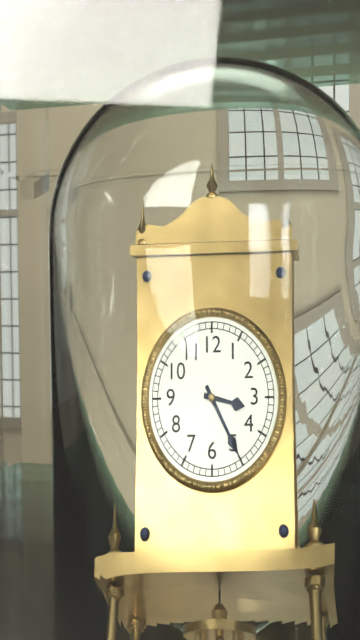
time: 3:25
